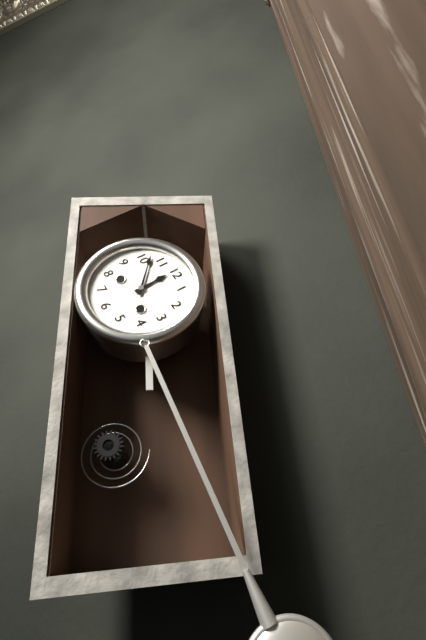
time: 11:52
